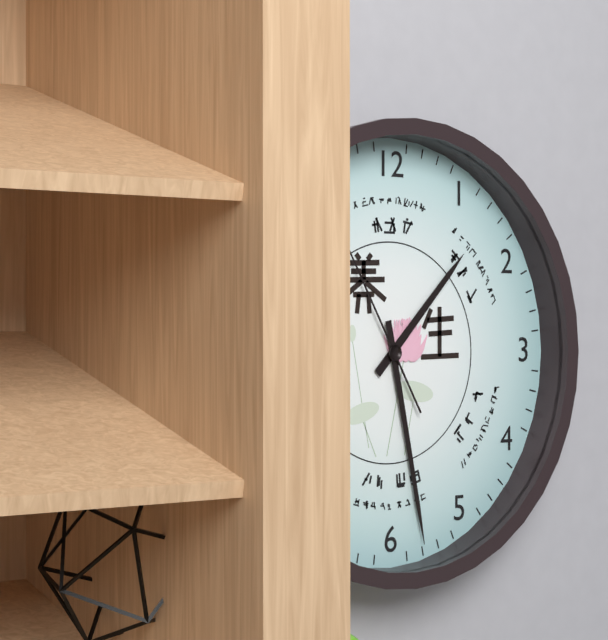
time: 1:28
